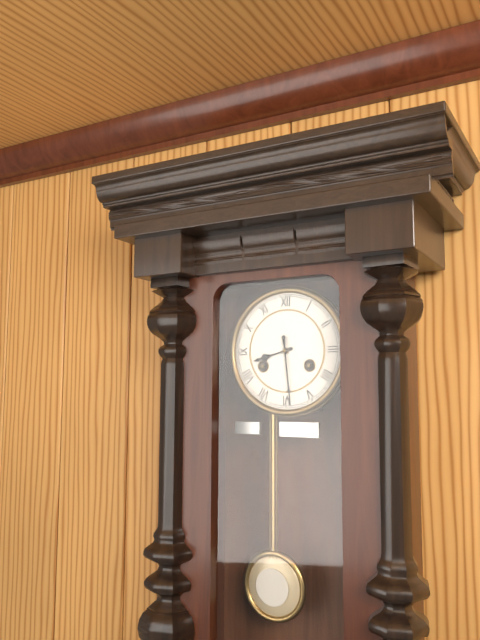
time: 8:29
